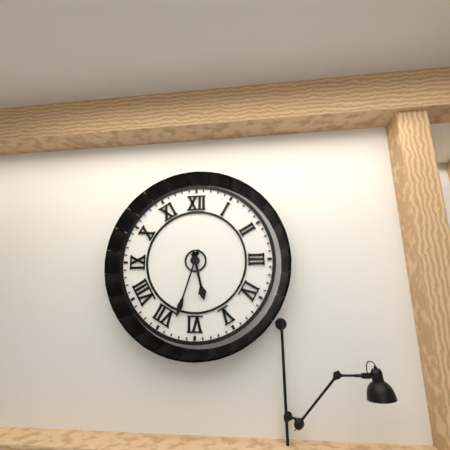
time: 5:33
